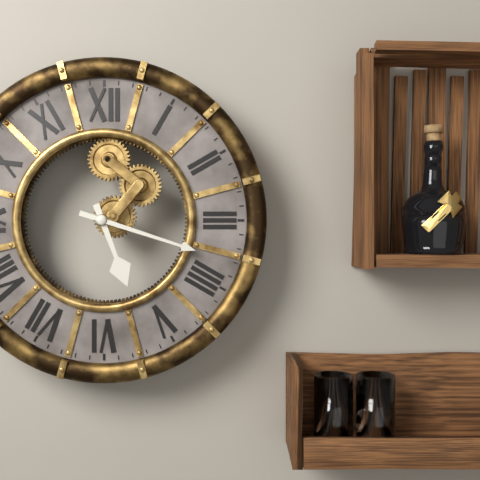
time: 5:18
